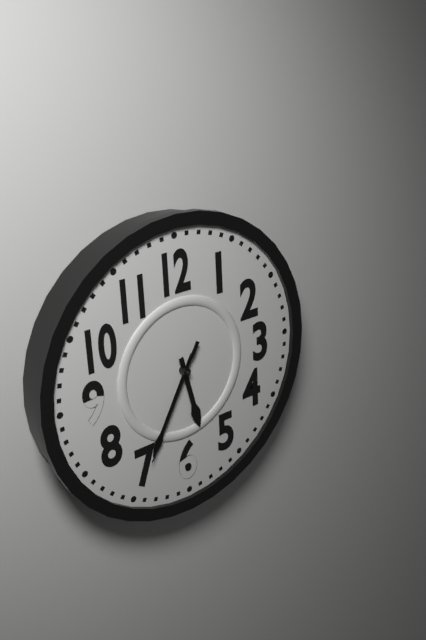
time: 5:35:35
